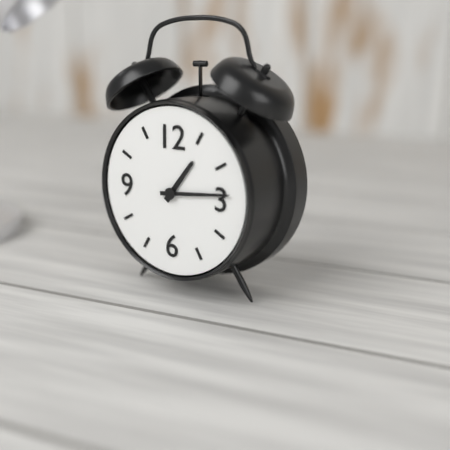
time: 1:14
